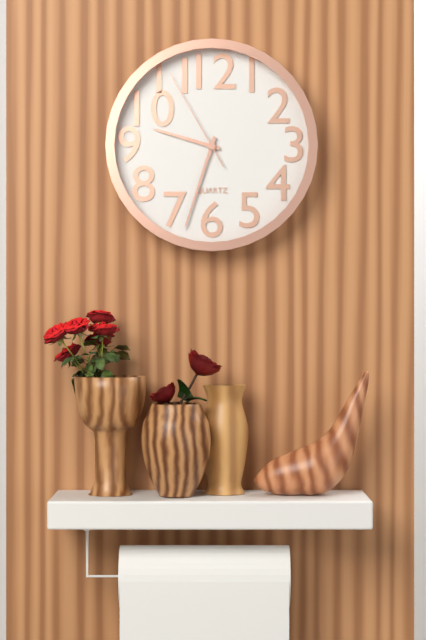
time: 9:33:55
